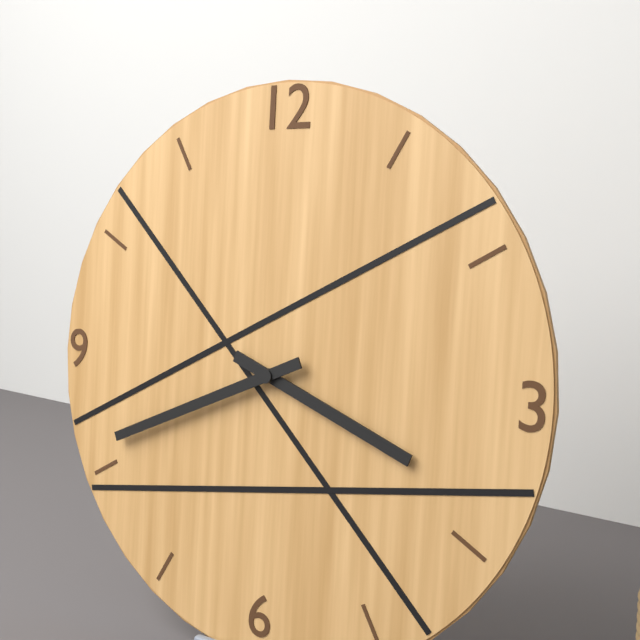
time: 3:41
